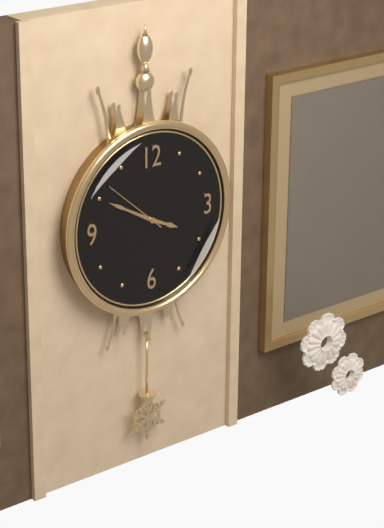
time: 3:50:52
